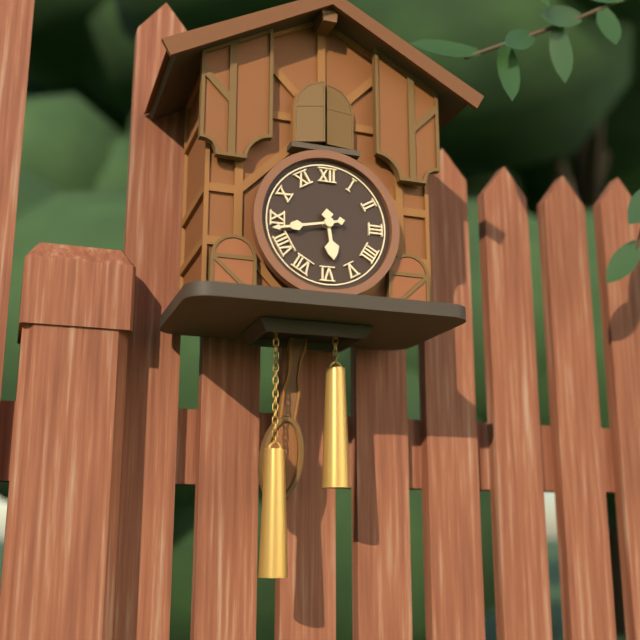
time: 5:43
